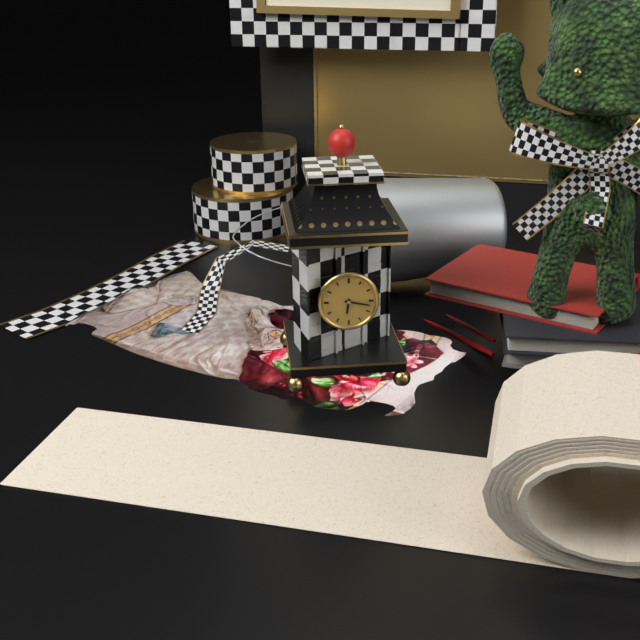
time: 6:17
